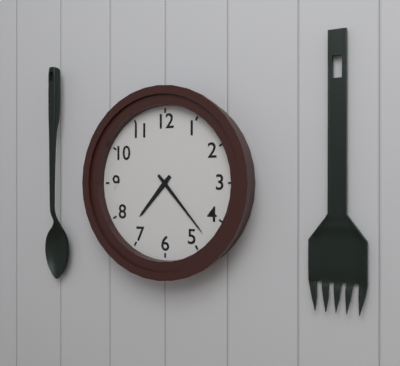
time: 7:23
